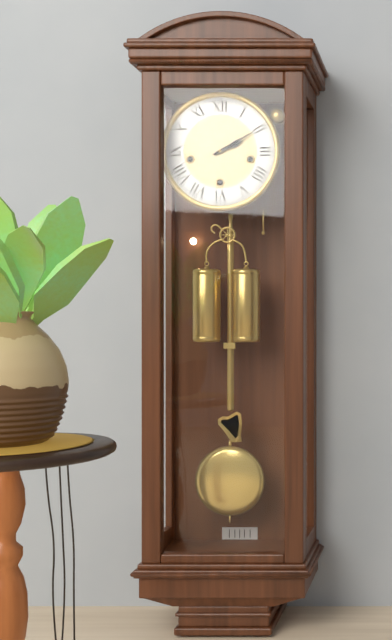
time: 2:10
